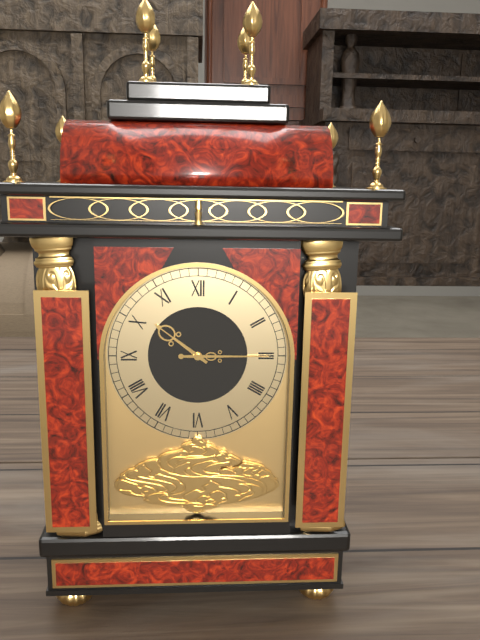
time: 10:15
